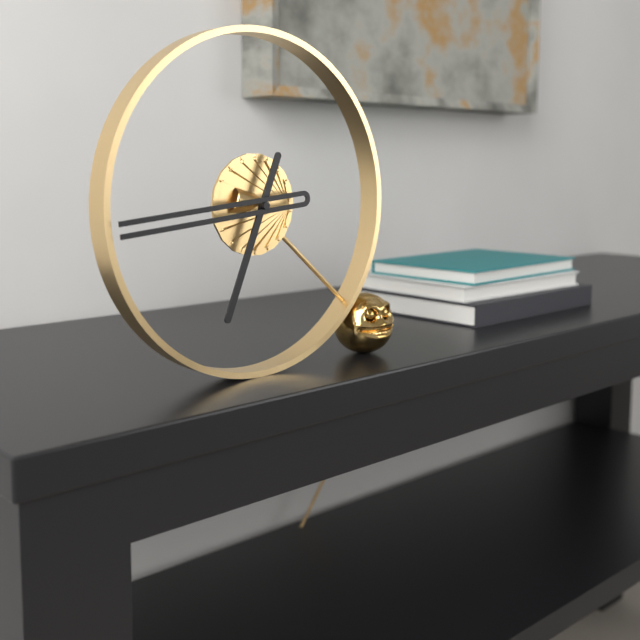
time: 6:44
